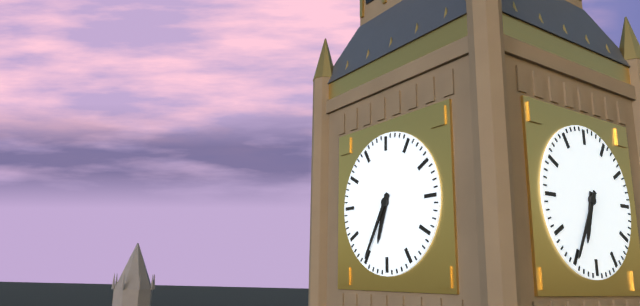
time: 6:35
